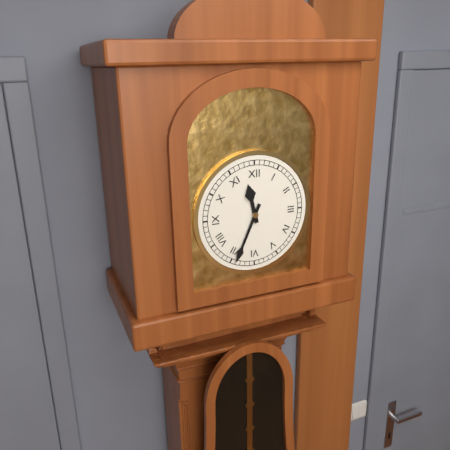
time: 11:34
